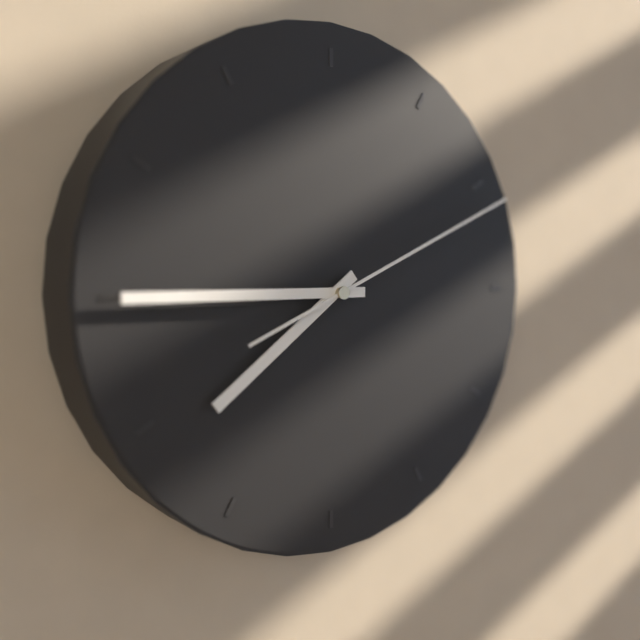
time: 7:45:11
